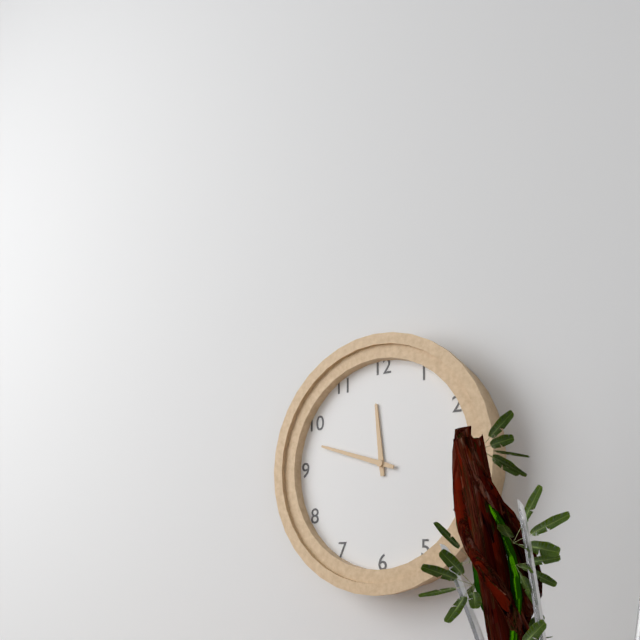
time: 11:48
